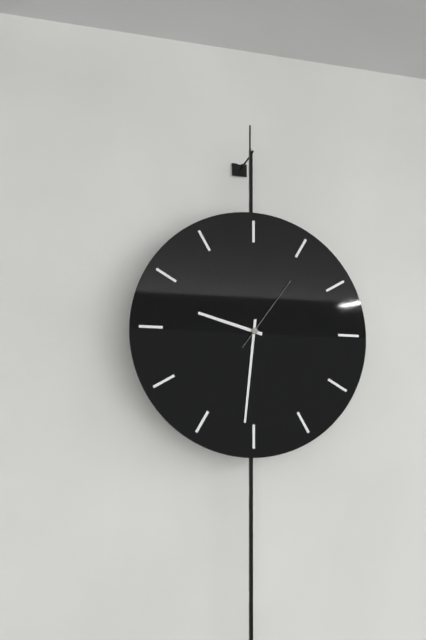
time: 9:31:06
